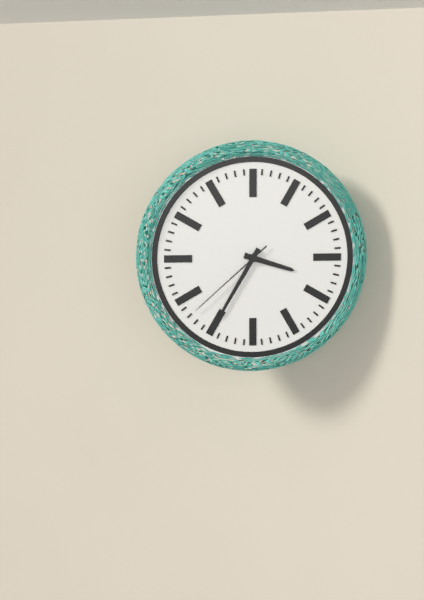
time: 3:35:38
